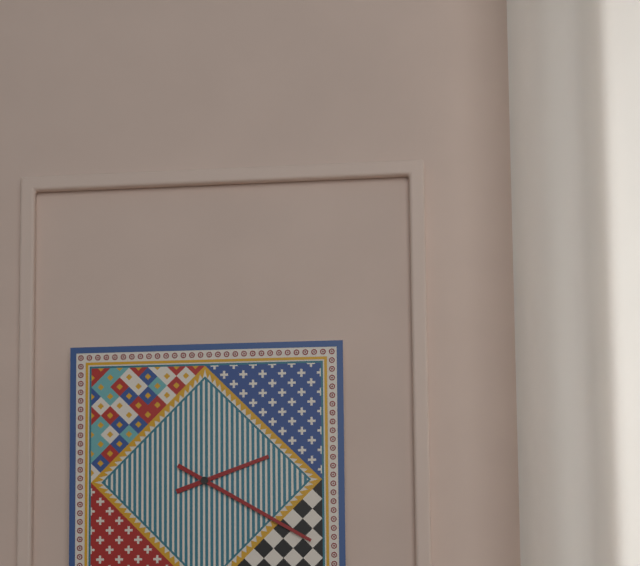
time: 2:20
